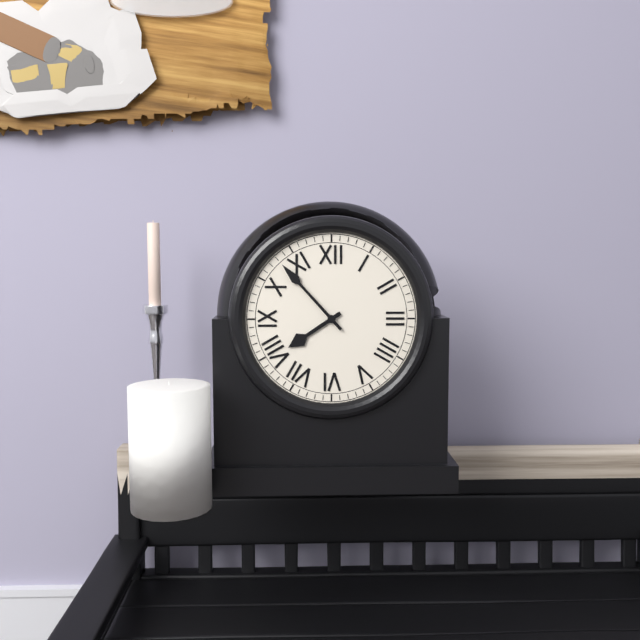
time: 7:53
